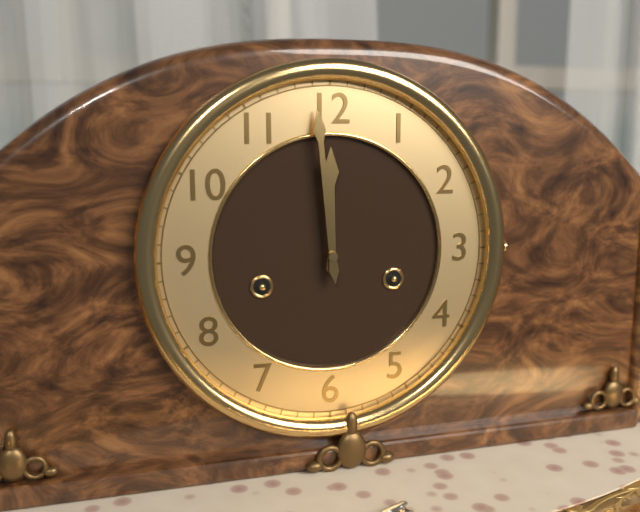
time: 11:59
